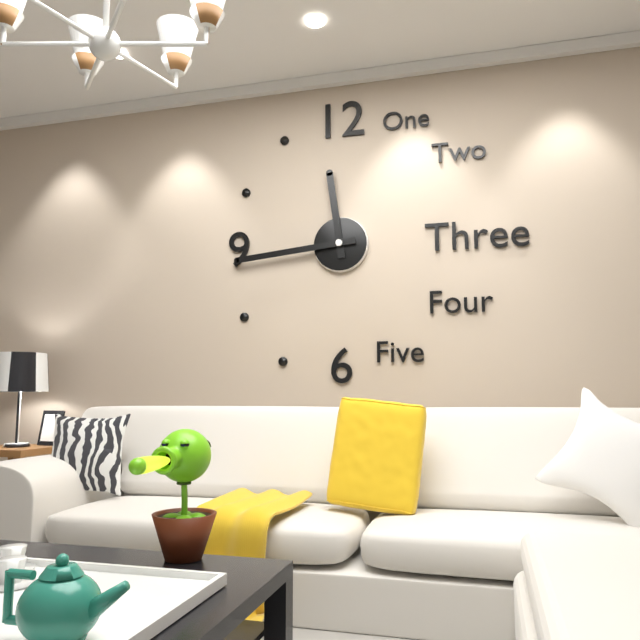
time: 11:44
